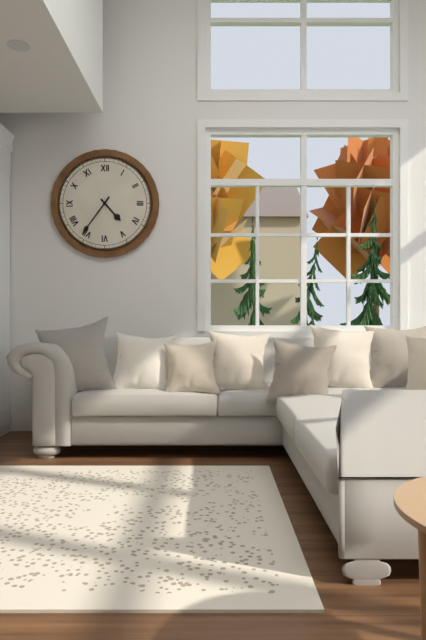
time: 4:36
